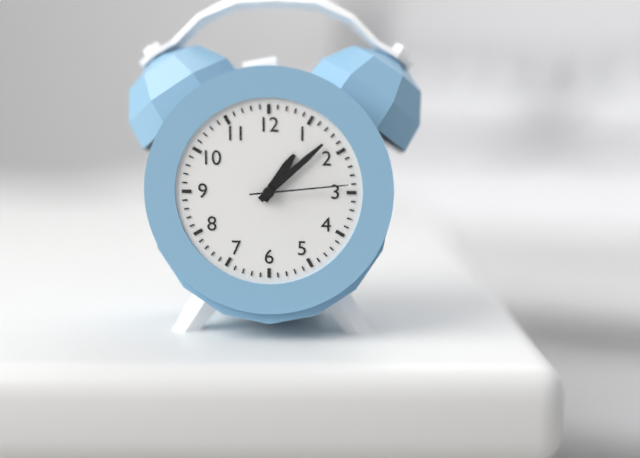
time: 1:08:14
